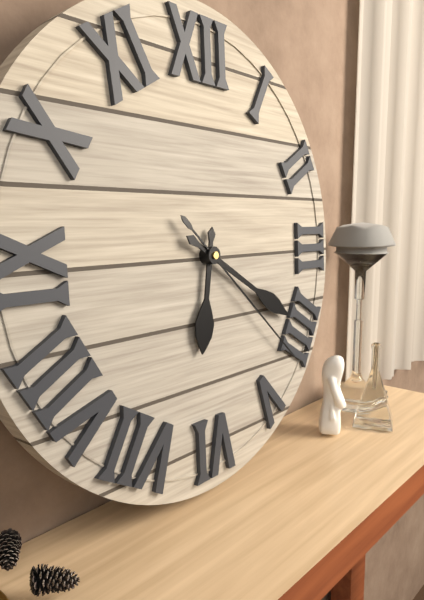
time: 6:20:22
